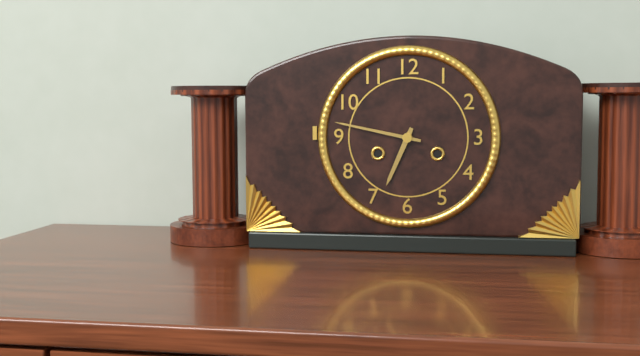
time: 6:47
